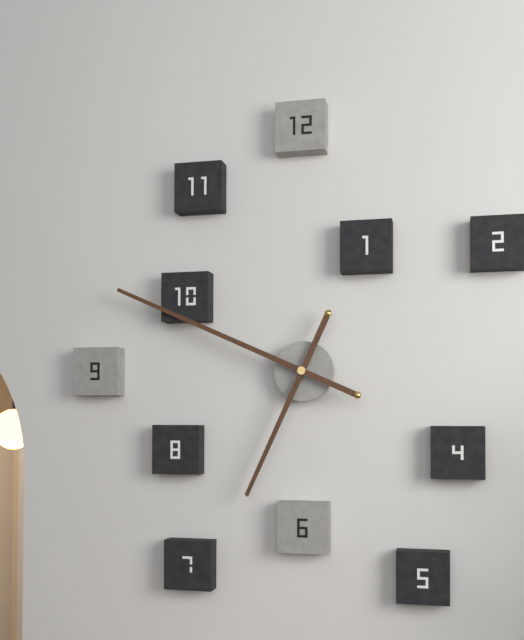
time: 6:49
